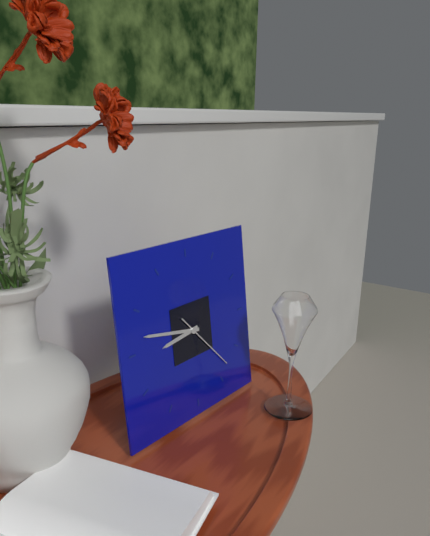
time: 8:47:23
